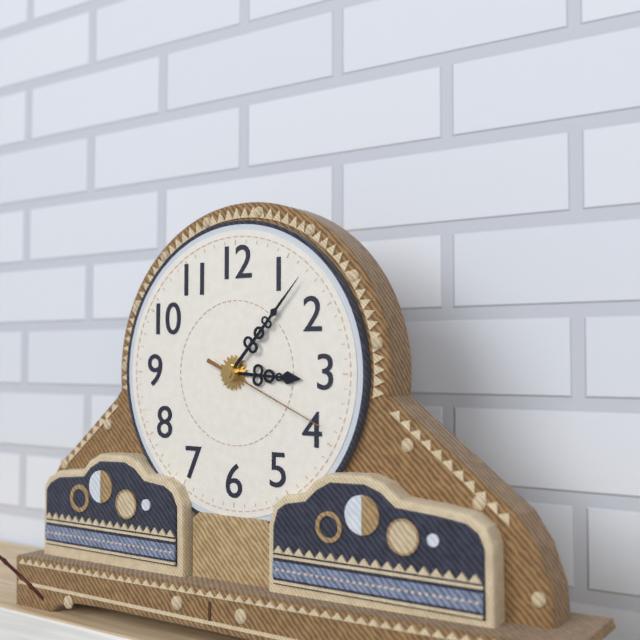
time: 3:07:19
